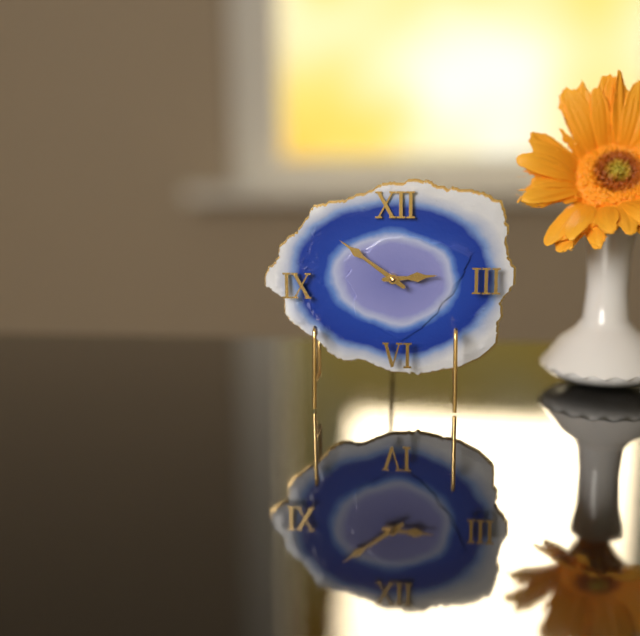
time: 2:51
